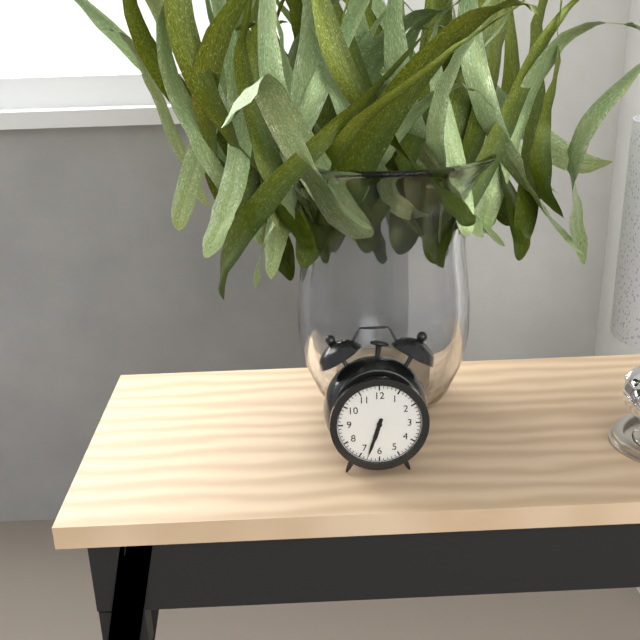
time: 6:33
